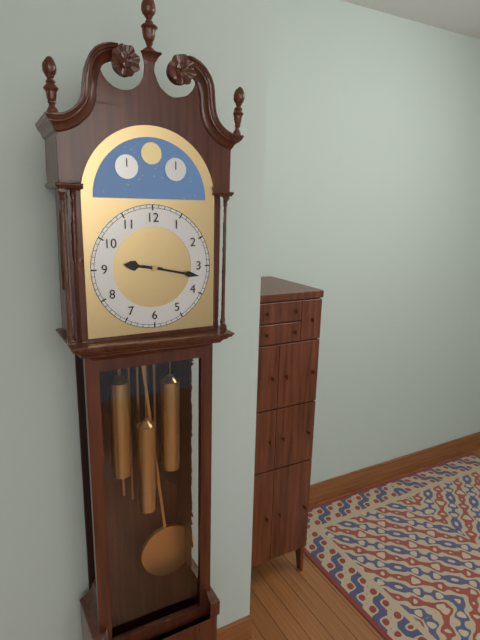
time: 9:17
